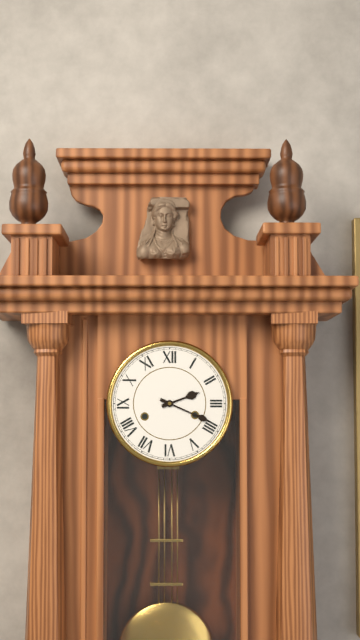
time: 2:19
